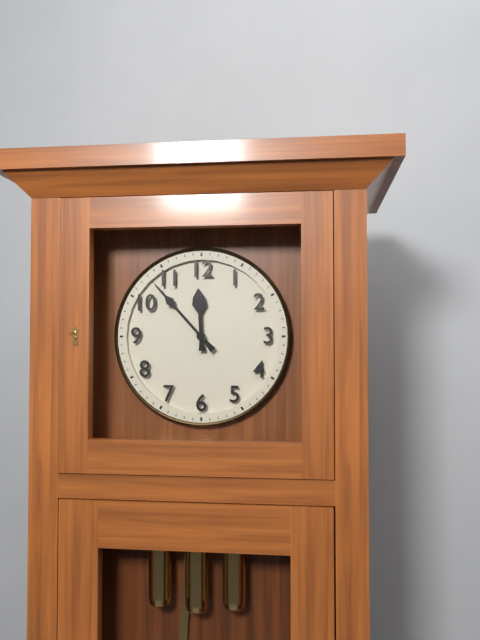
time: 11:53
